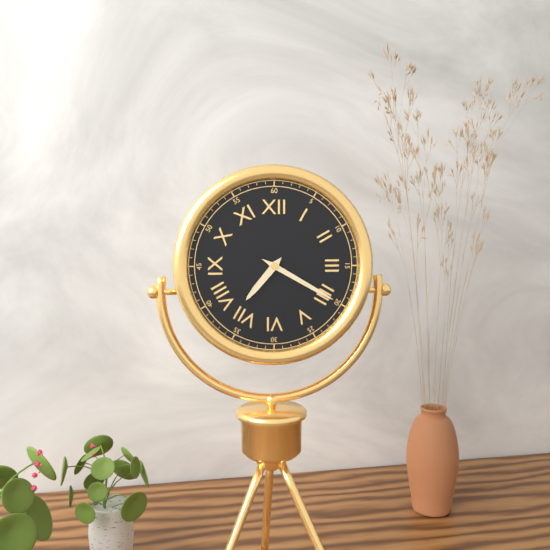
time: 7:20
